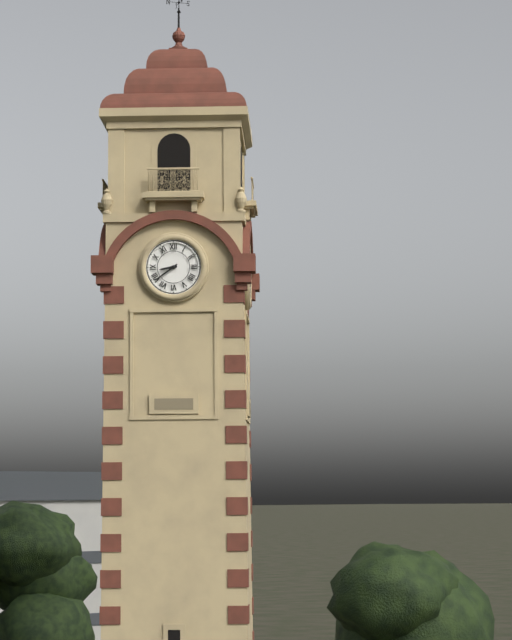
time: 8:39
